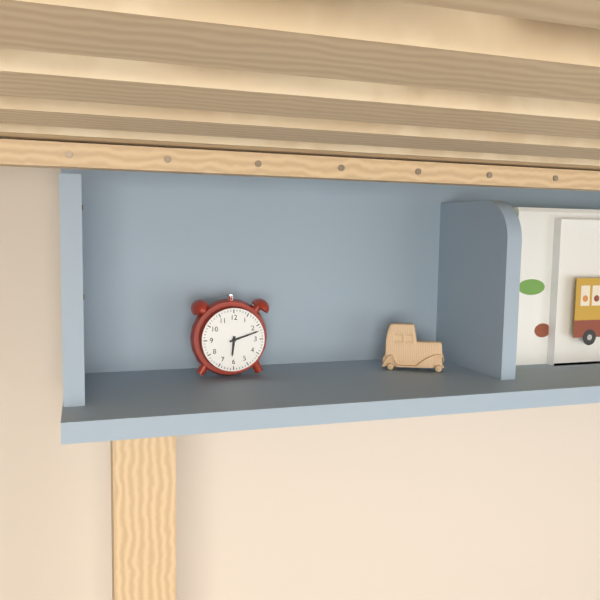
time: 6:12
